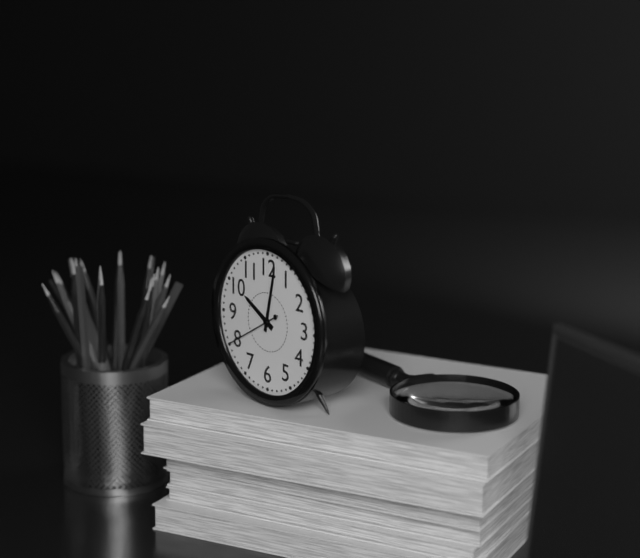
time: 10:02:40
